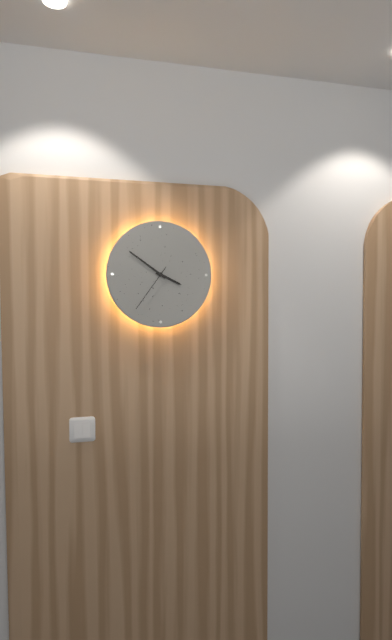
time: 3:51:36
